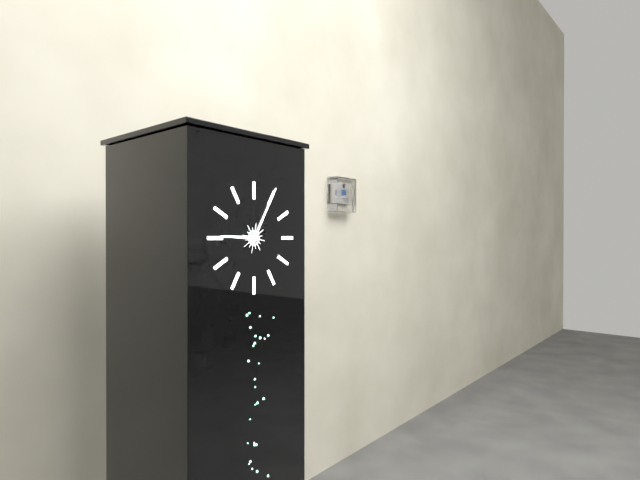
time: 9:05
